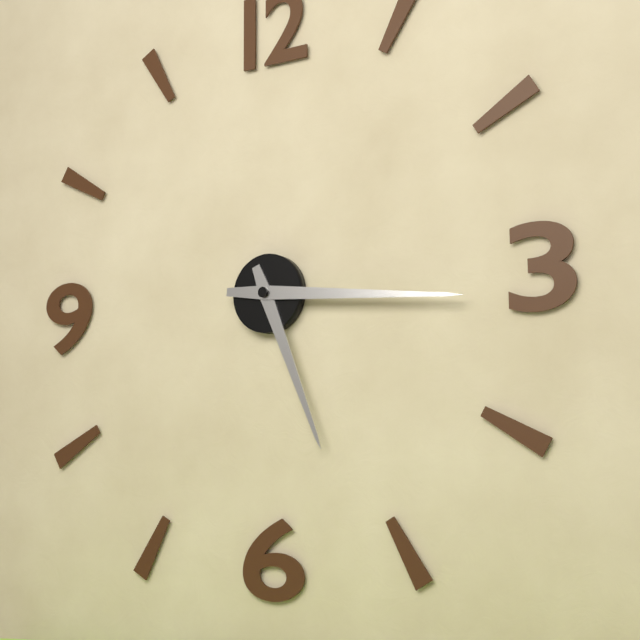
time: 5:16
